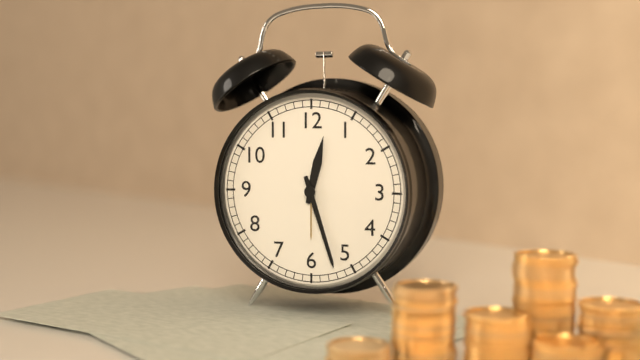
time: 12:27
